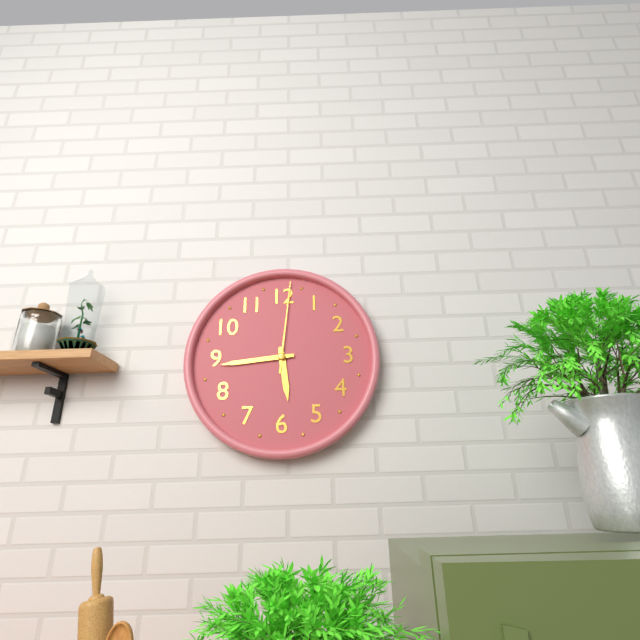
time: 5:44:01
